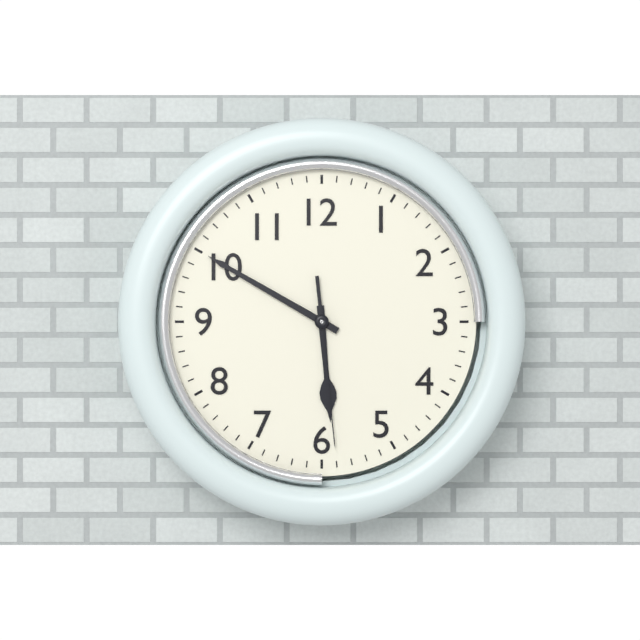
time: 5:50:29
